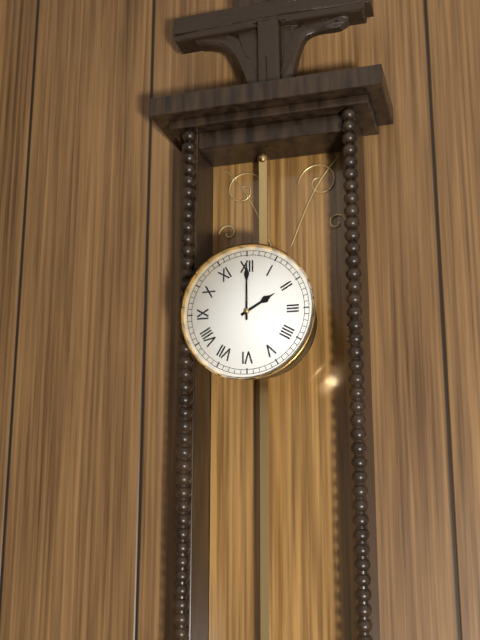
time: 2:00
